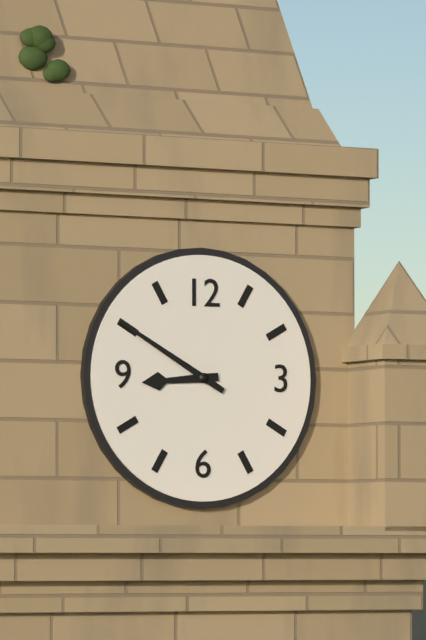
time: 8:50
